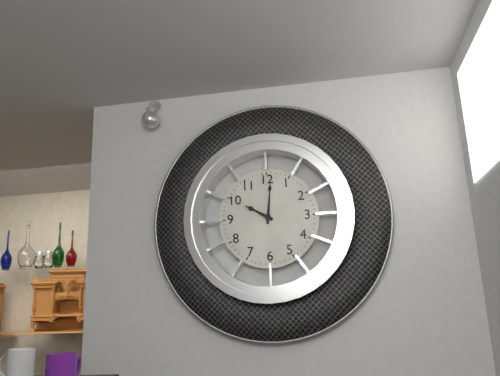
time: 10:01
